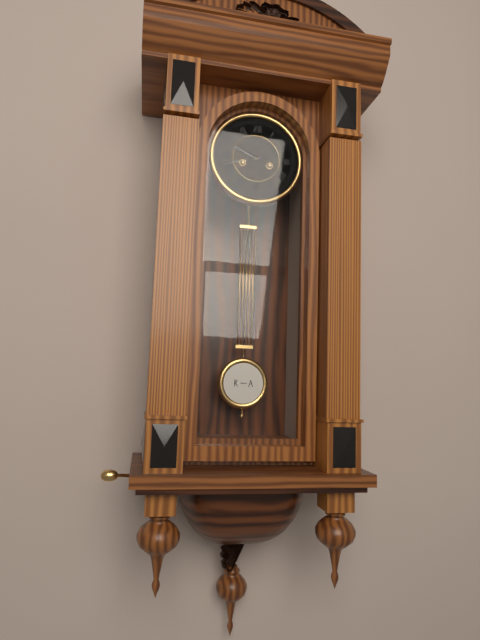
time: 9:42
